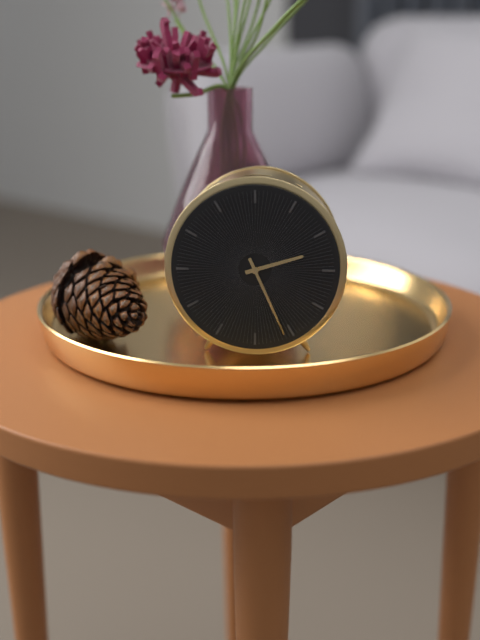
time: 2:26
